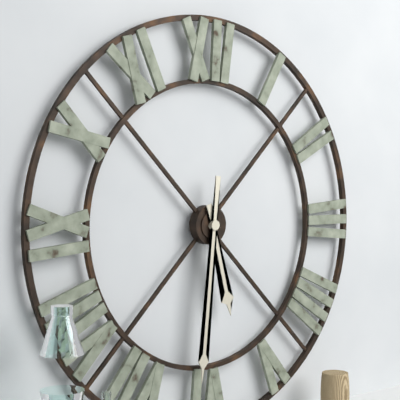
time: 5:31
